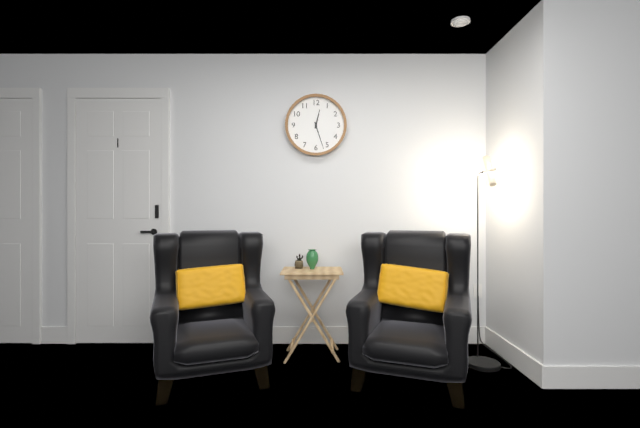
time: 12:27
